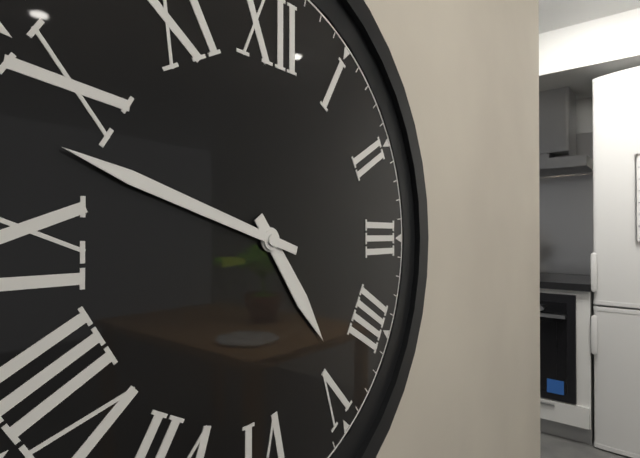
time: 4:48
